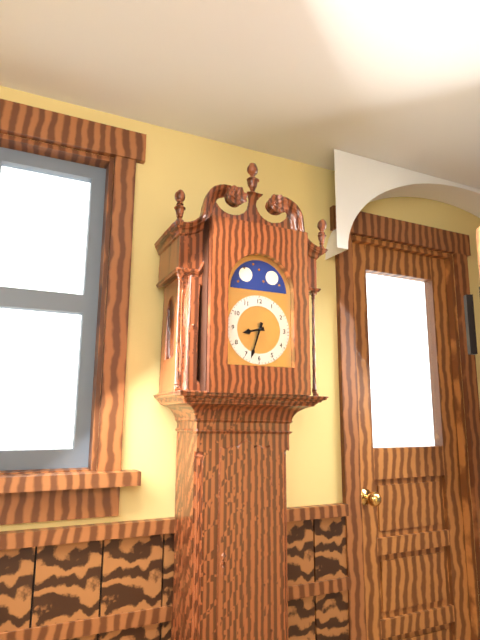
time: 8:33
